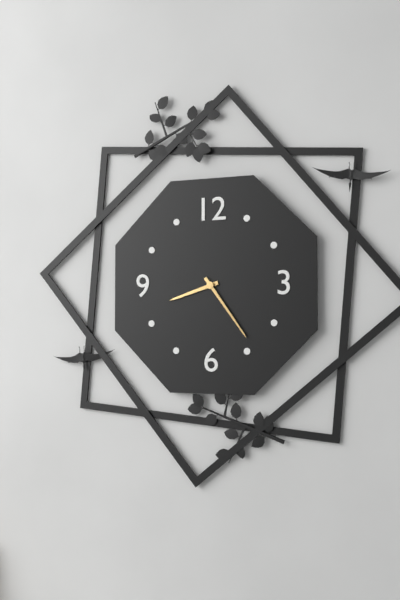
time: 8:24
